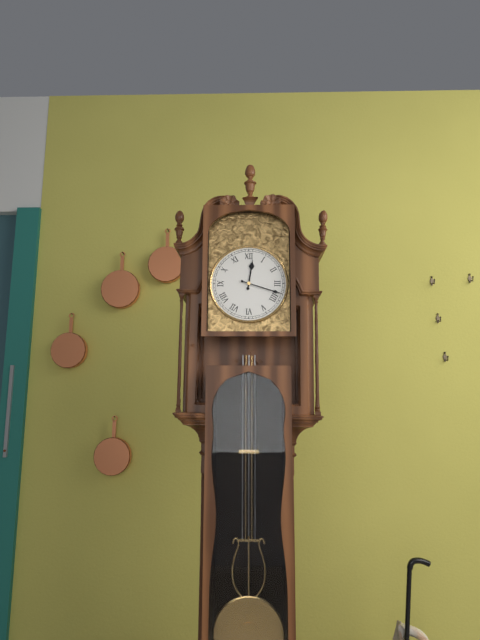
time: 12:18
